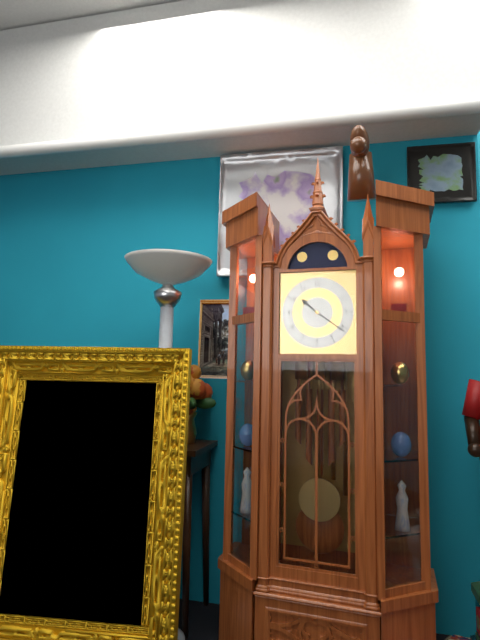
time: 10:21
